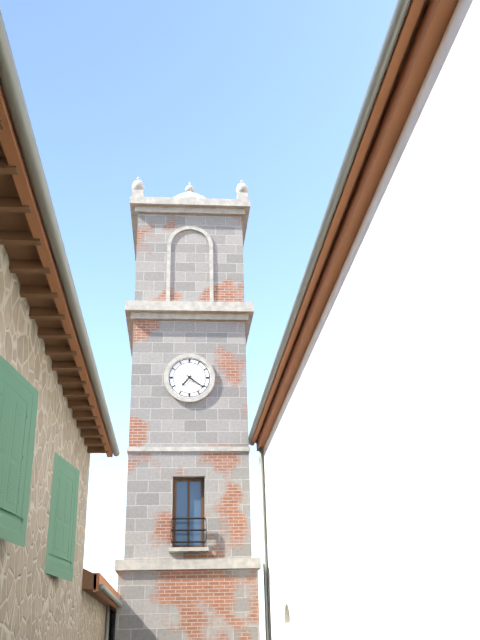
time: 7:21
